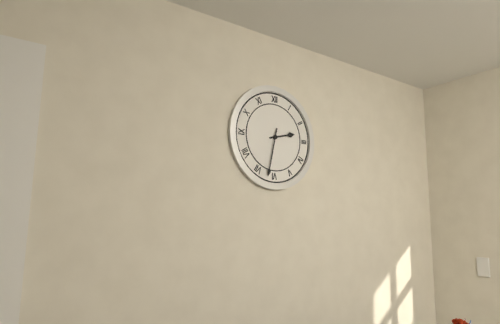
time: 2:32
